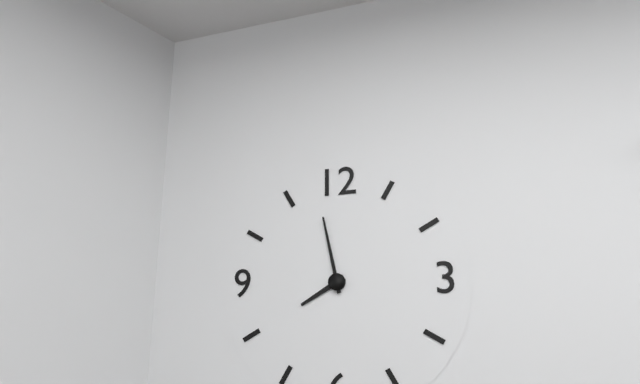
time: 7:58
